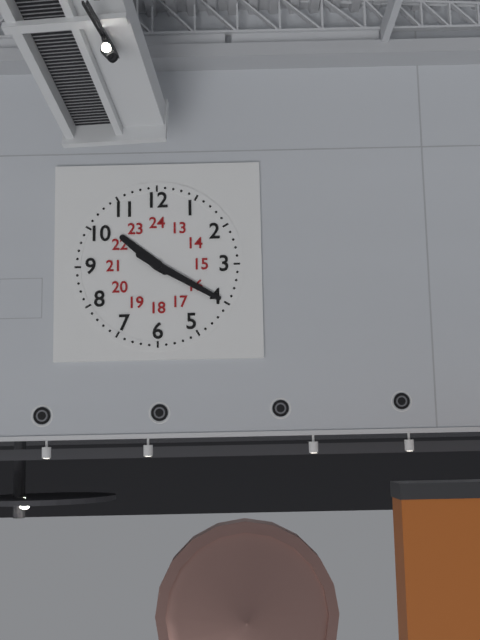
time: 10:20
